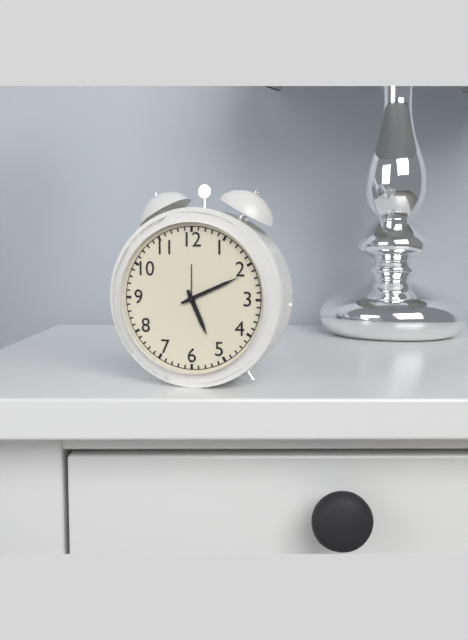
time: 5:11
